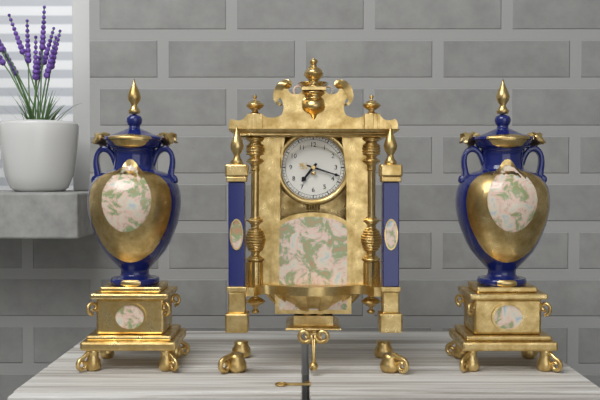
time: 7:18
